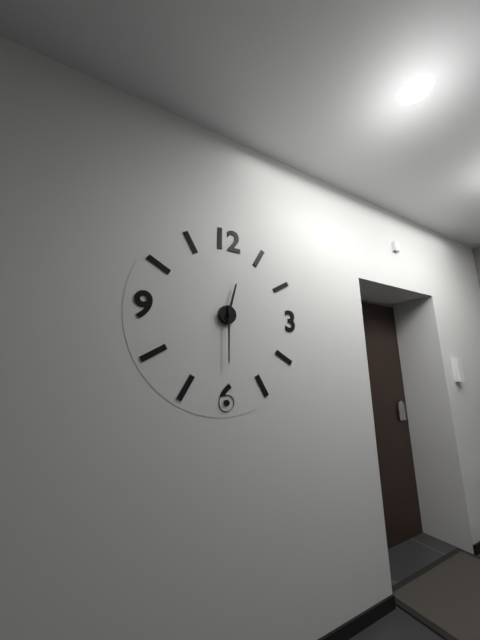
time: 12:30
